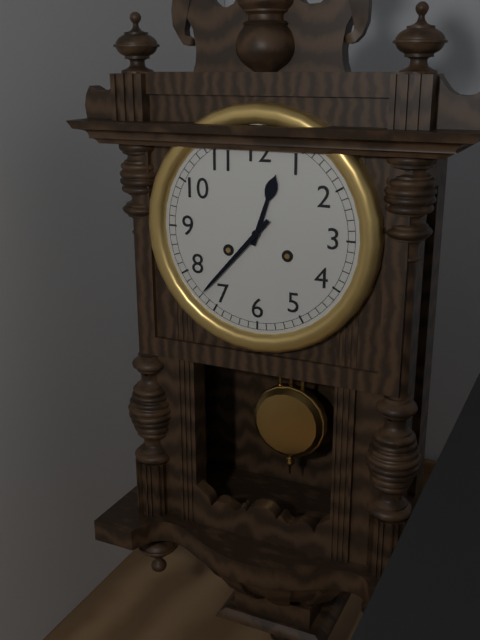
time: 12:37
